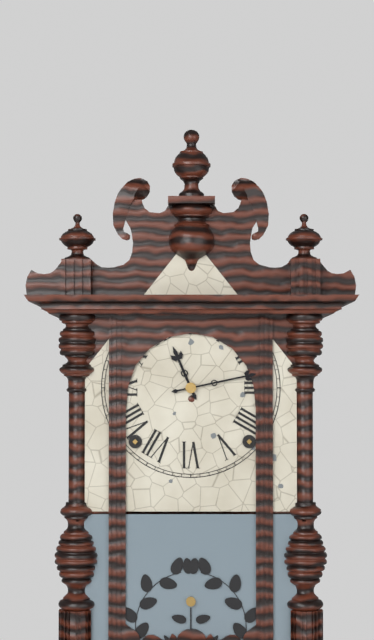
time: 11:13
